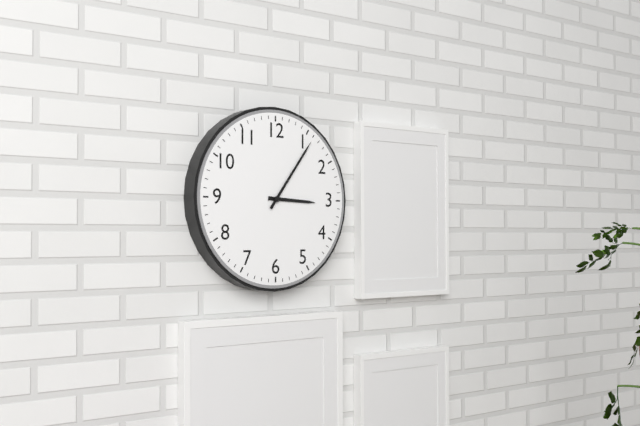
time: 3:06
